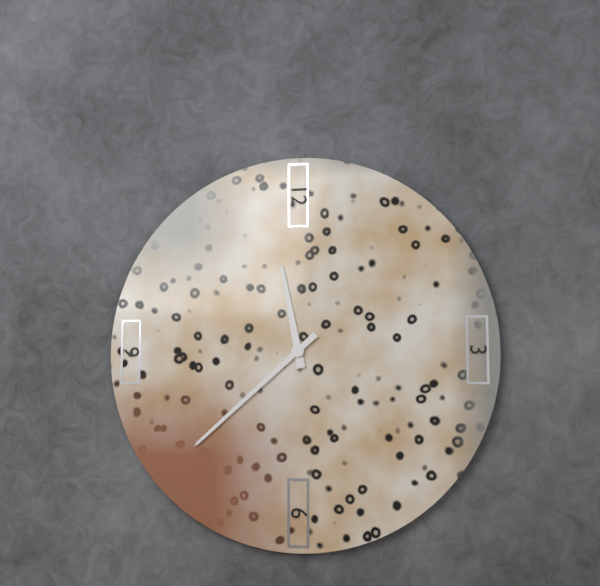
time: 11:38
